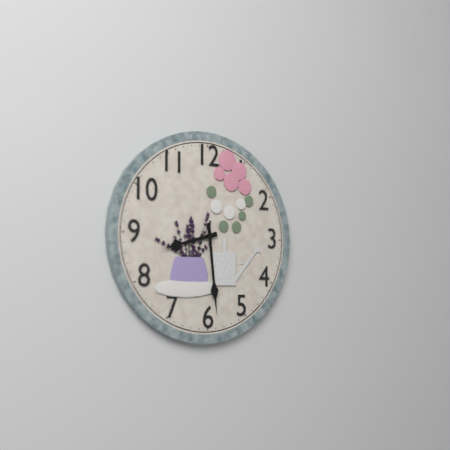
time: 8:29
